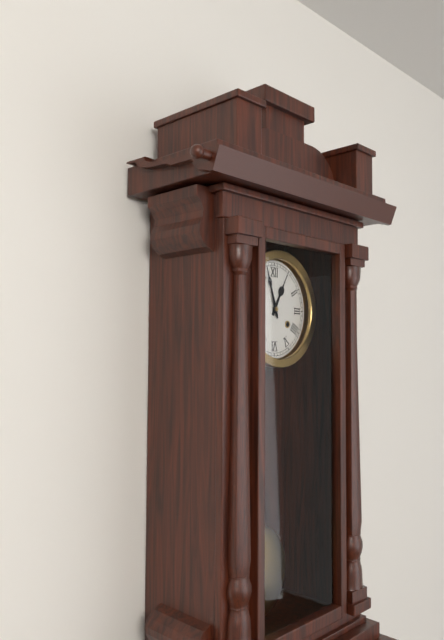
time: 12:57
